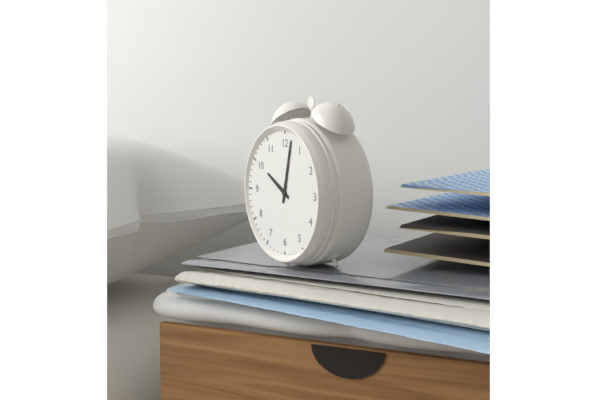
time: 10:02
